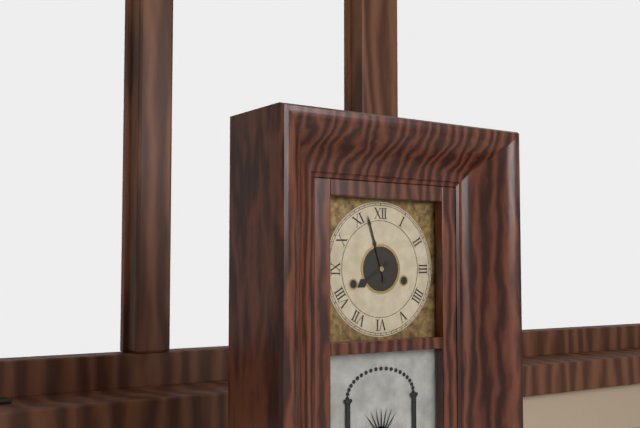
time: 7:57
